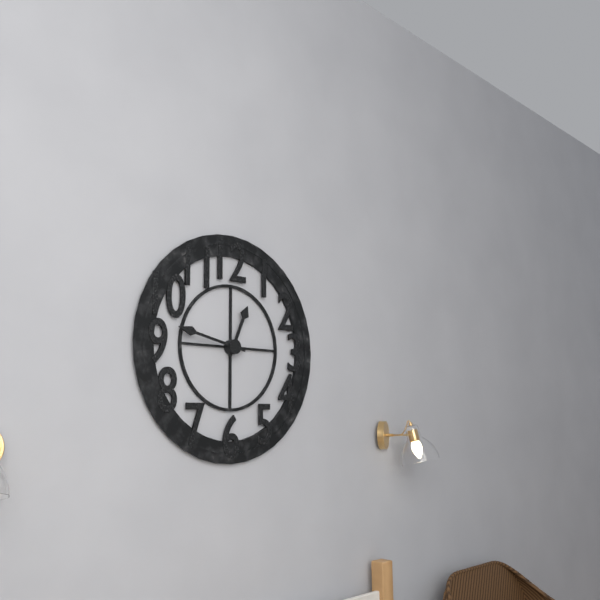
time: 12:47
